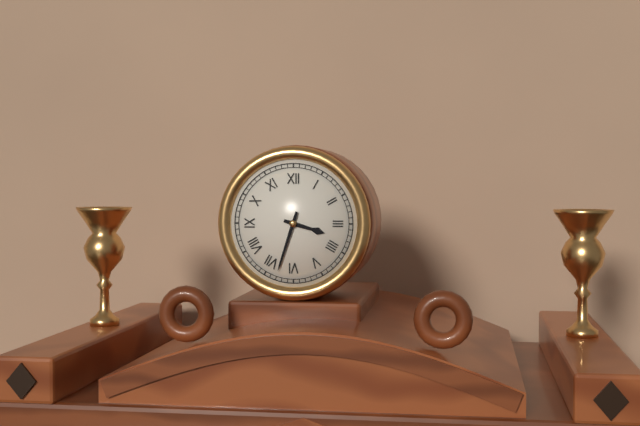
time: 3:33
